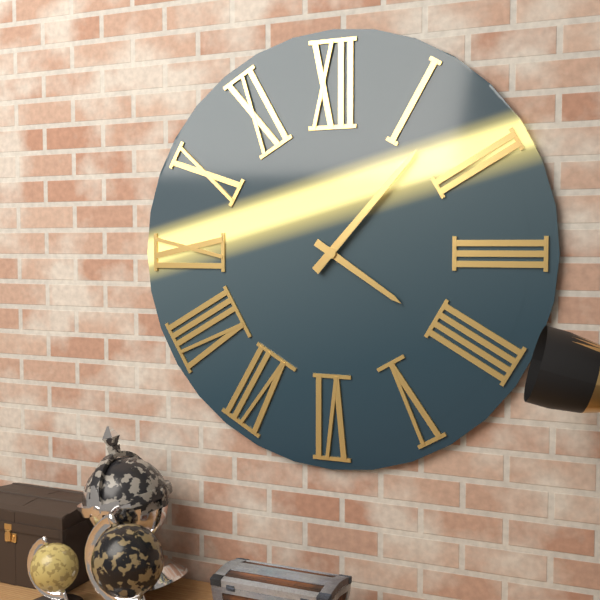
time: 4:07
